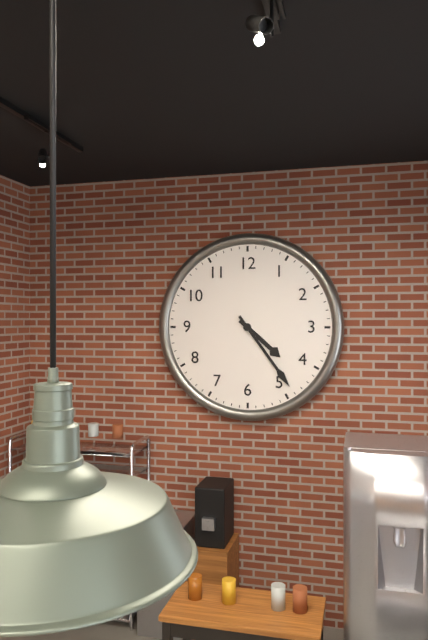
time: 4:24
